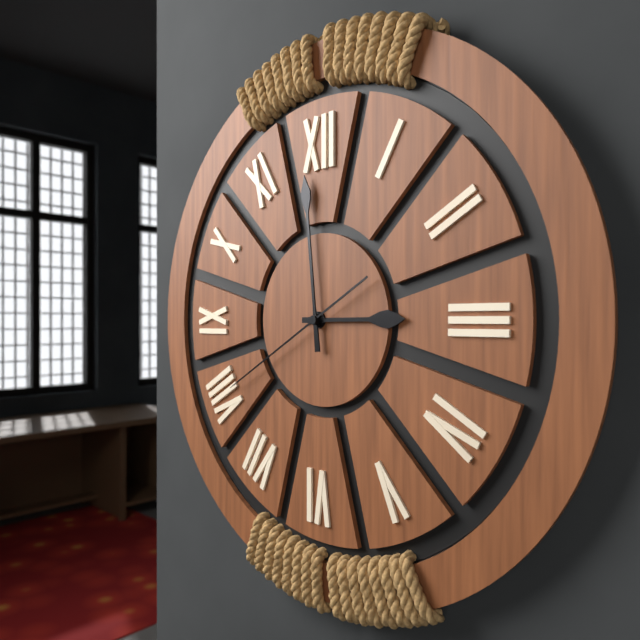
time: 2:59:40
